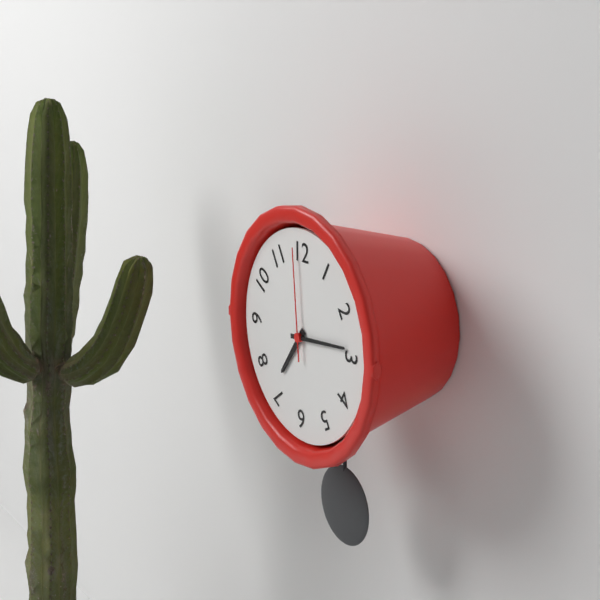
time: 7:14:59
